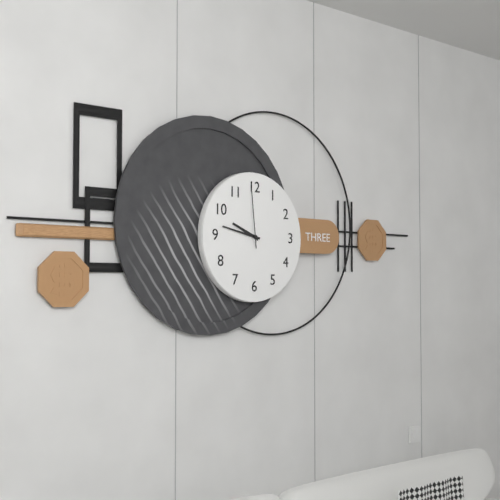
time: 9:47:59
